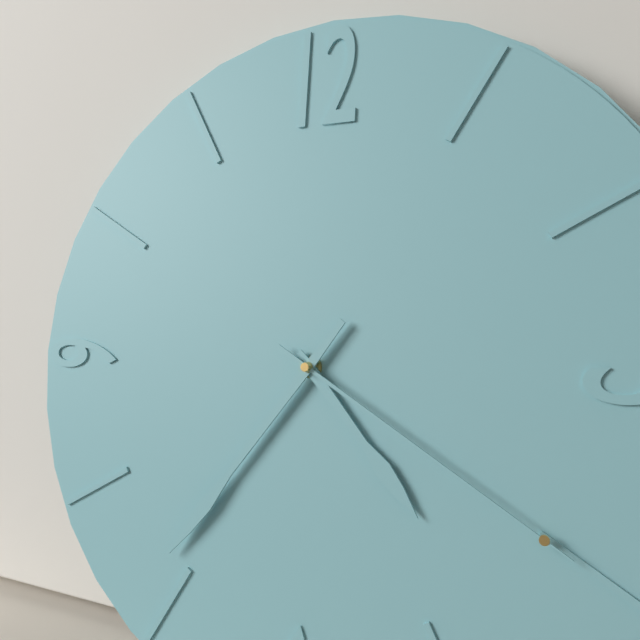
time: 4:36:20
